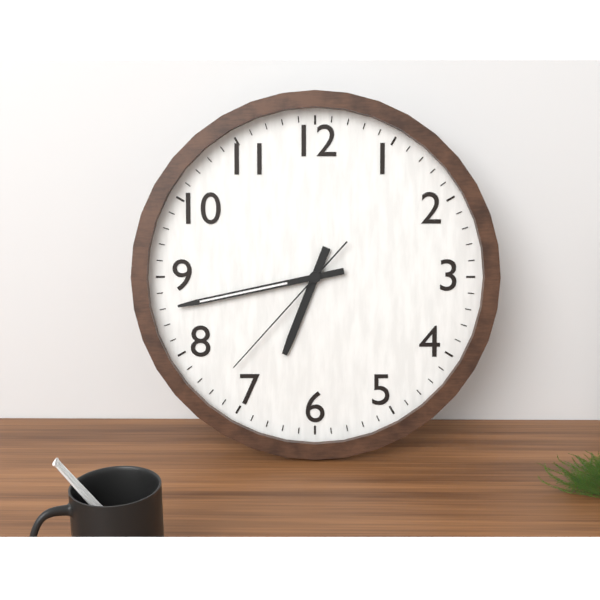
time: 6:43:37
